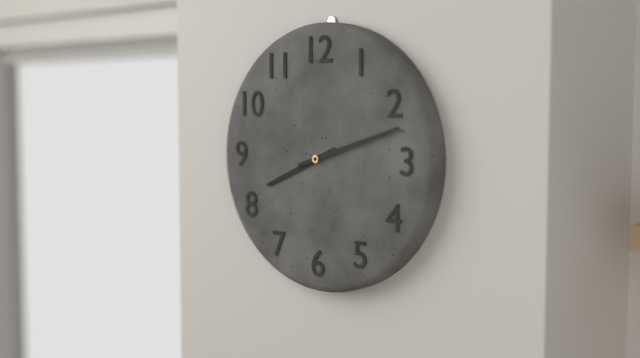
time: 8:12
